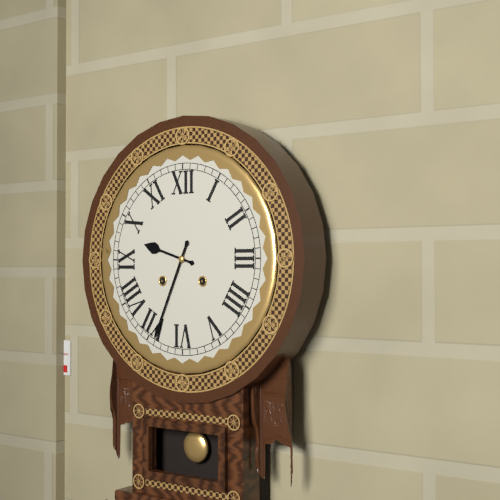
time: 9:34
